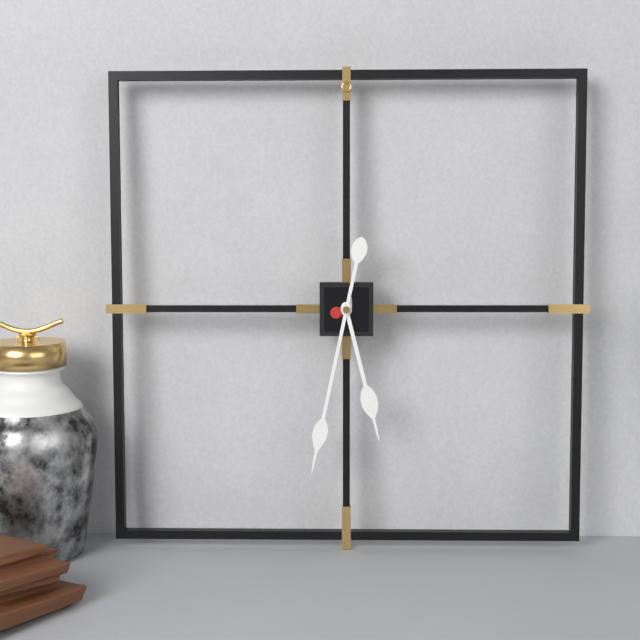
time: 5:32
